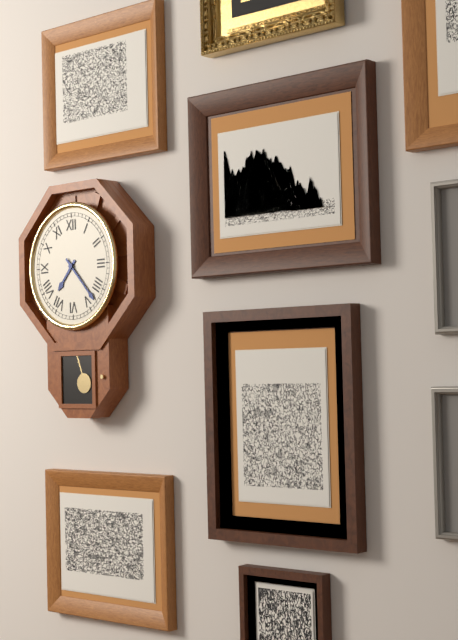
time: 7:23
